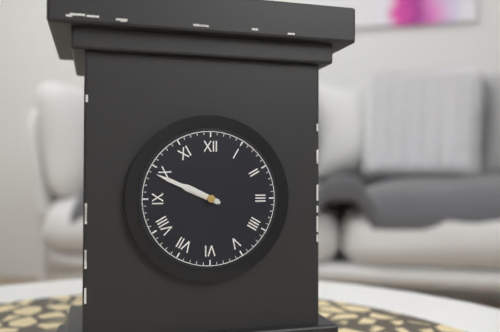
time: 9:49
